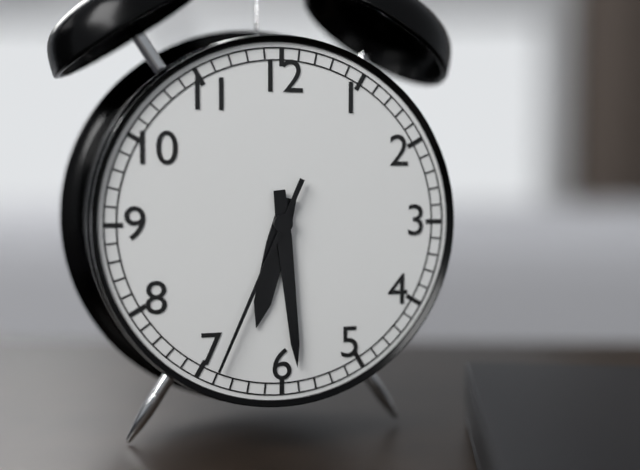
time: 6:29:34
